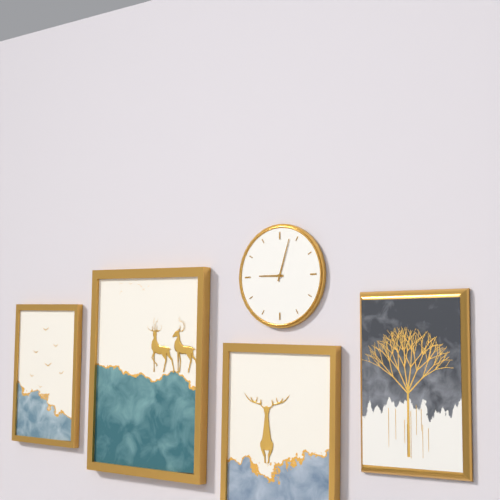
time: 9:03
